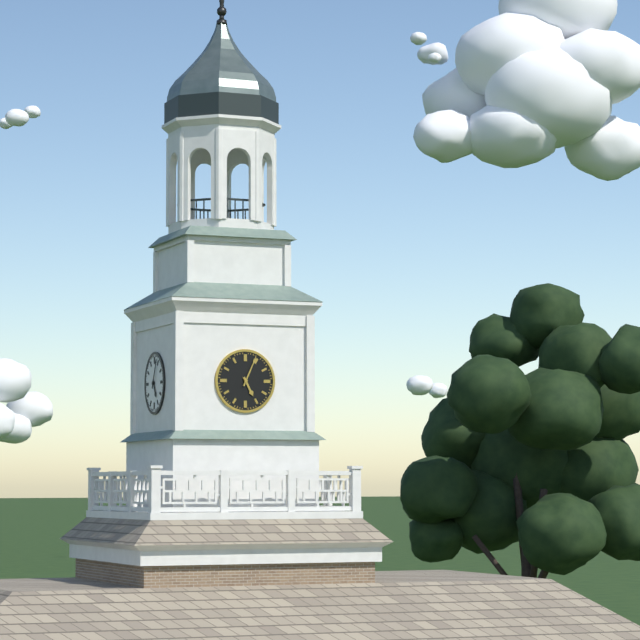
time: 5:04
